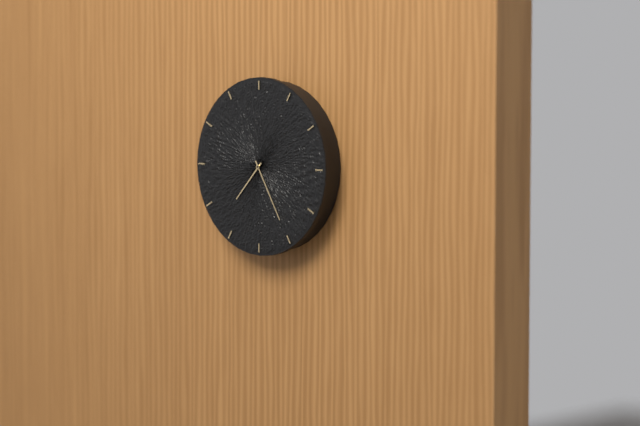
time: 7:25
